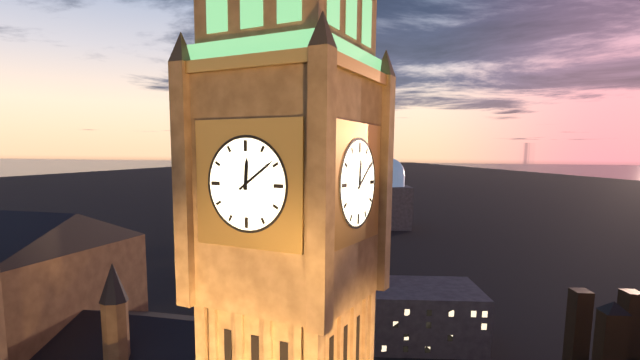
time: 12:09
